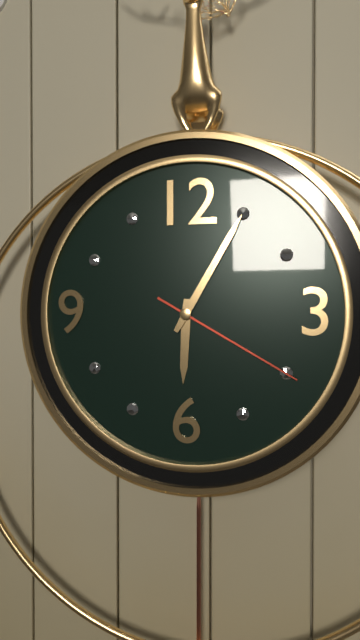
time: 6:05:20
